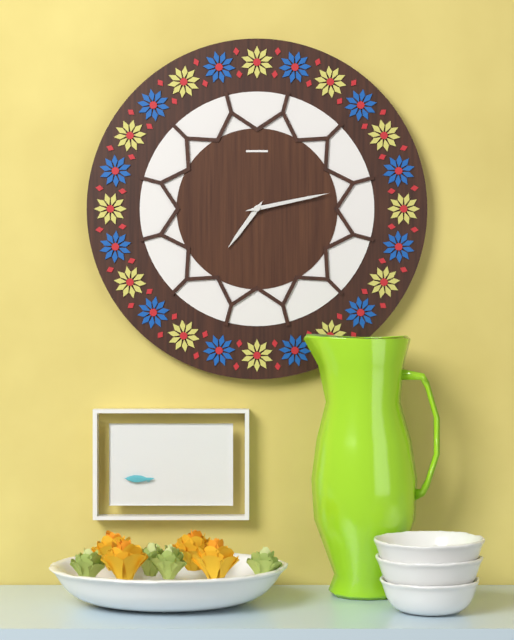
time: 7:13
